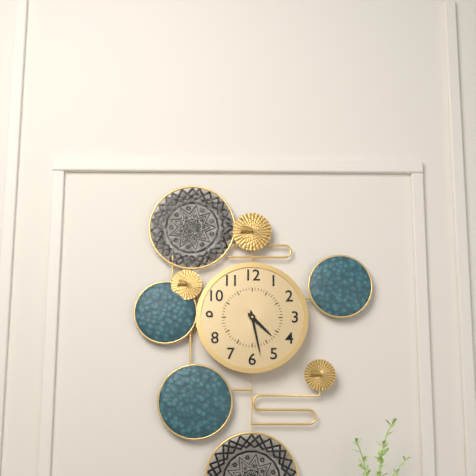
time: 4:28
